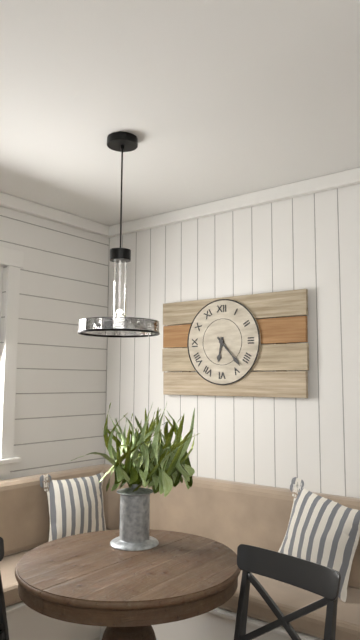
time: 6:23
